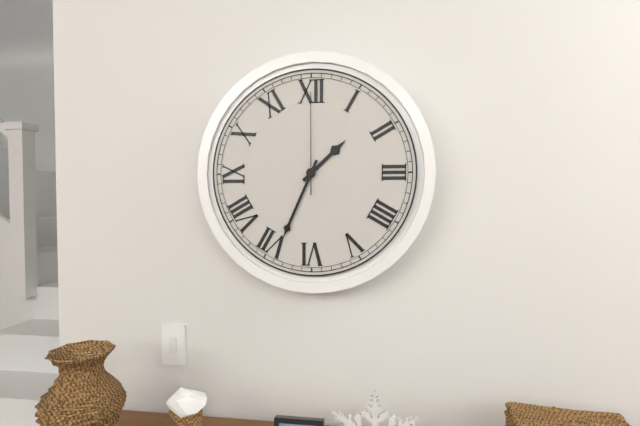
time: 1:34:00
